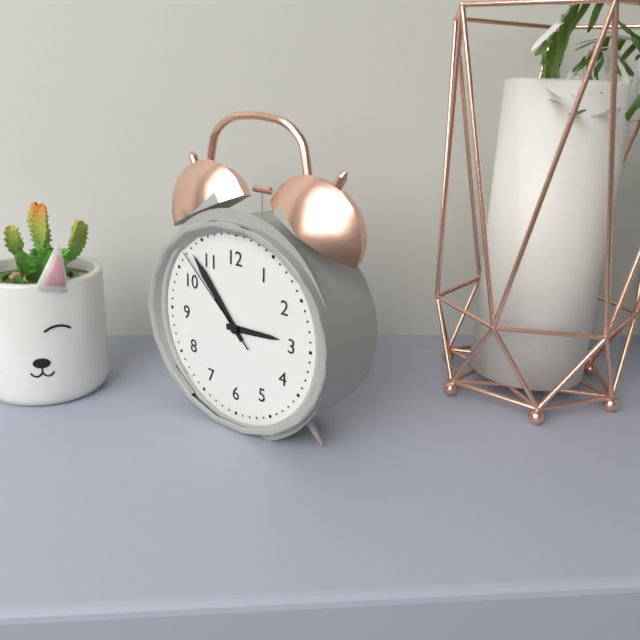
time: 2:53:52
